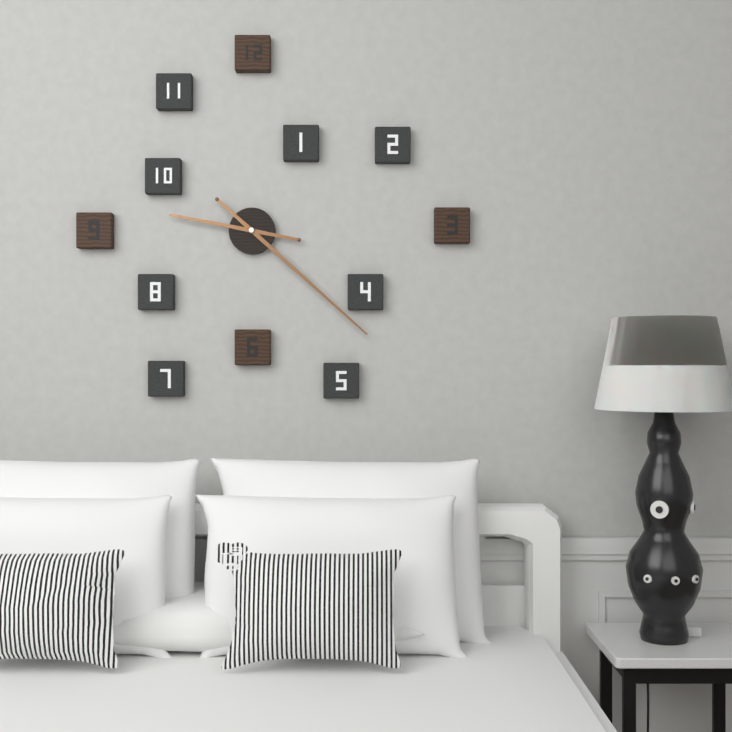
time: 9:22
